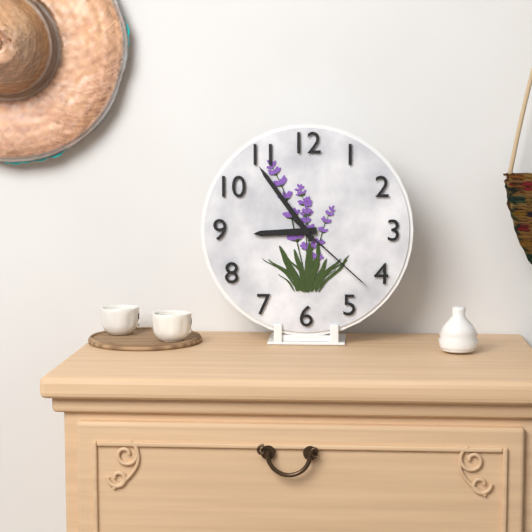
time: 8:54:22
